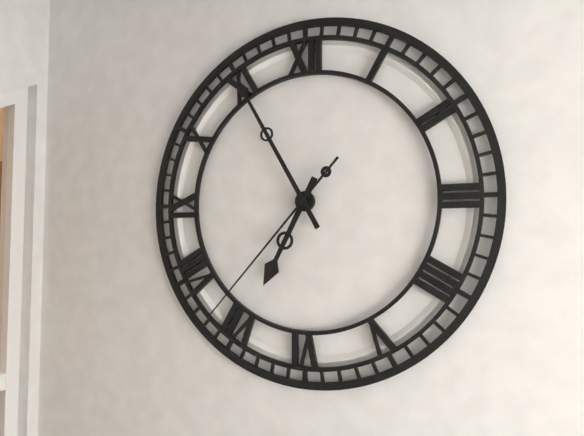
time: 6:55:37
